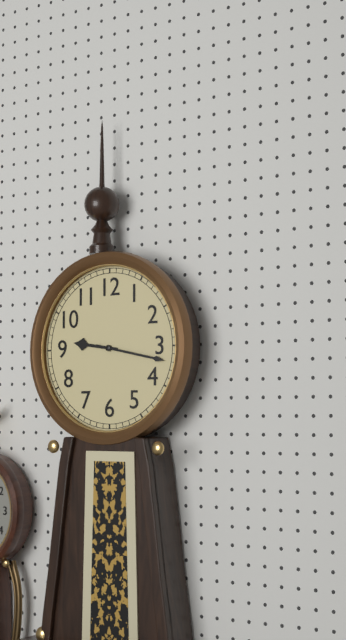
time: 9:17
